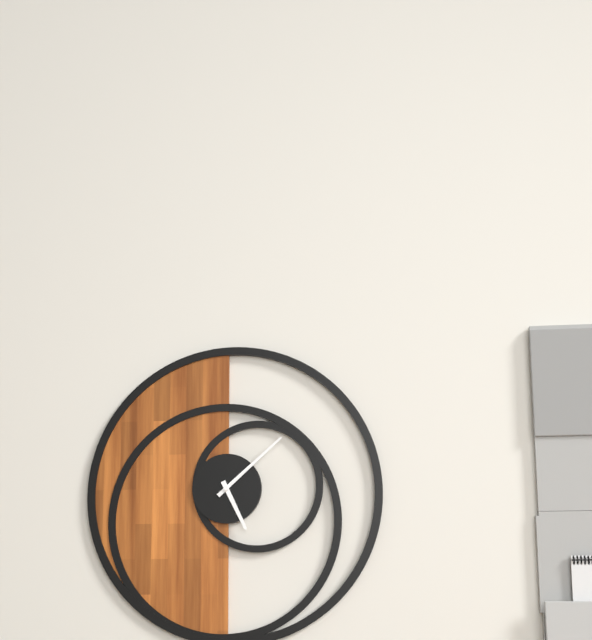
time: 5:08
